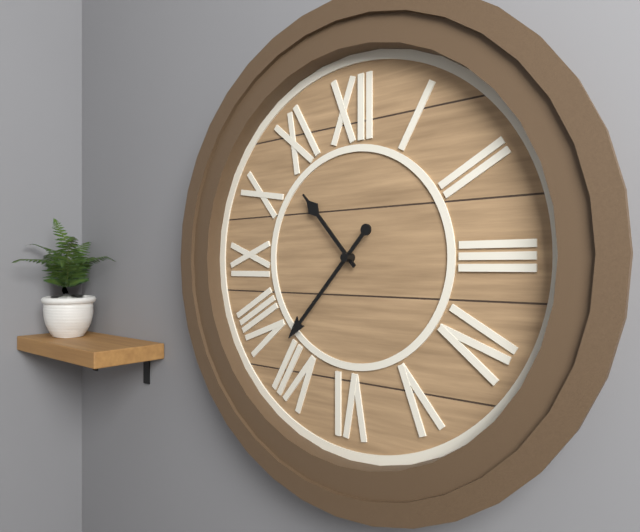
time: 10:37
